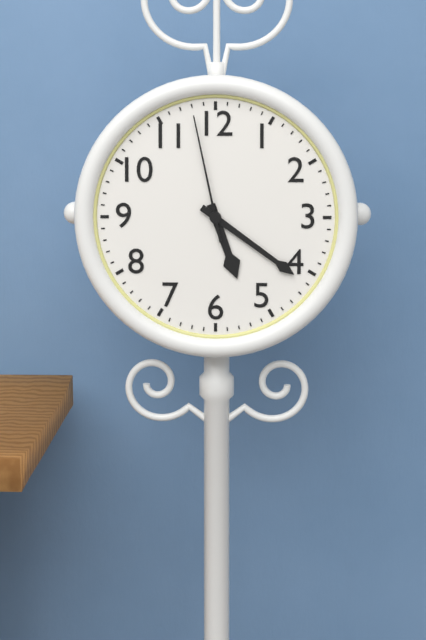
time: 5:21:58
